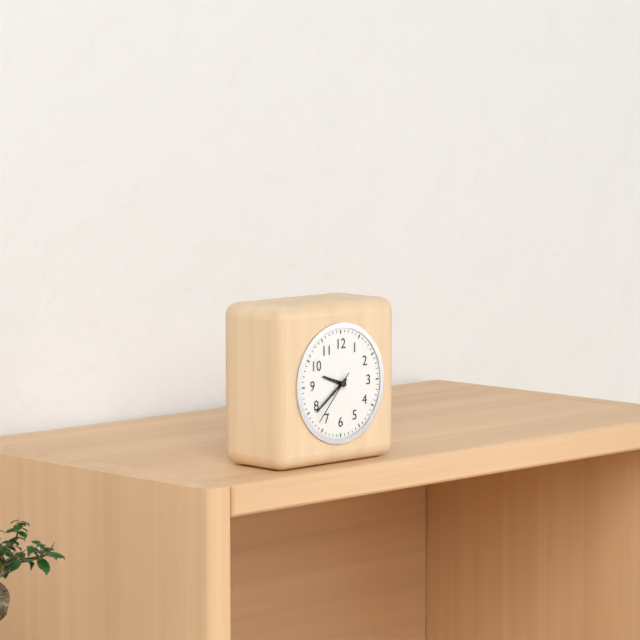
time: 9:39:37
